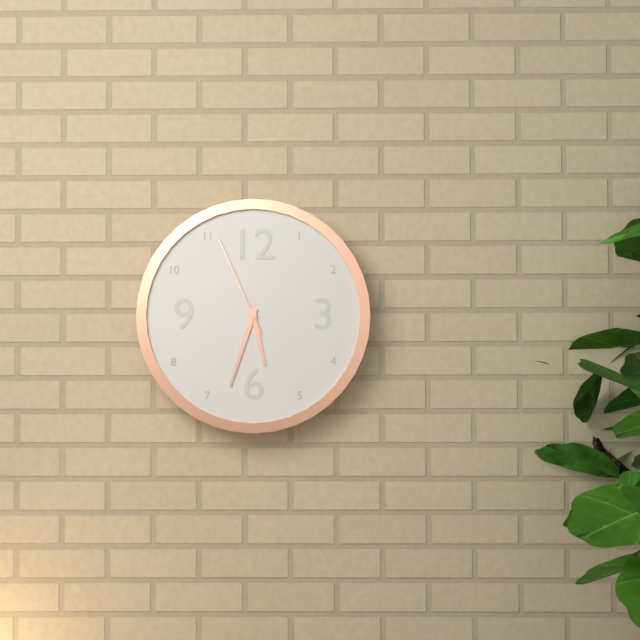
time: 5:33:56
